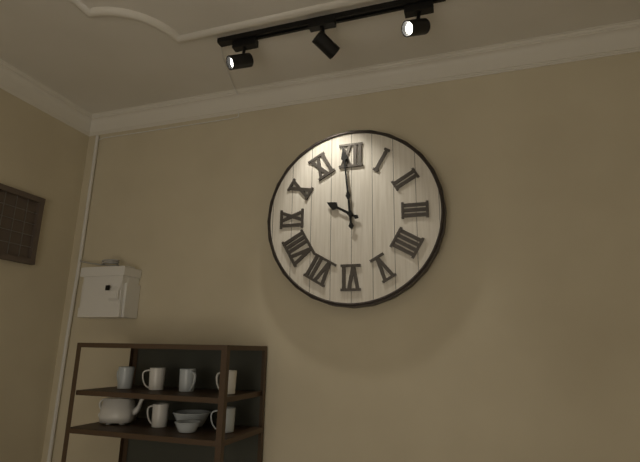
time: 9:59
